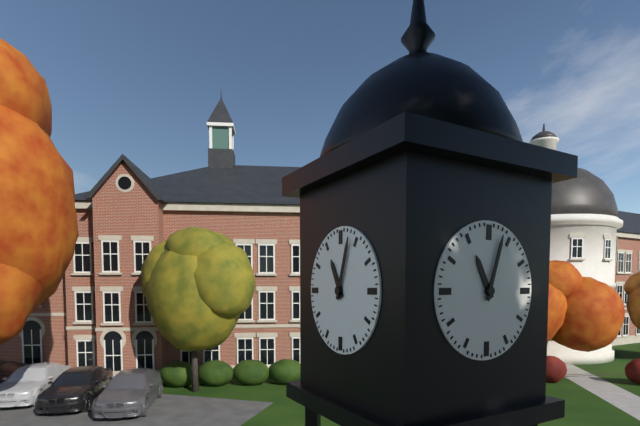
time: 11:03
